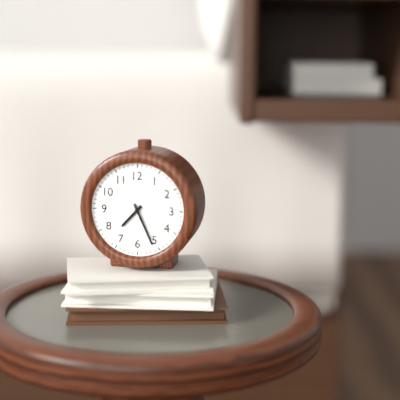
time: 7:26
